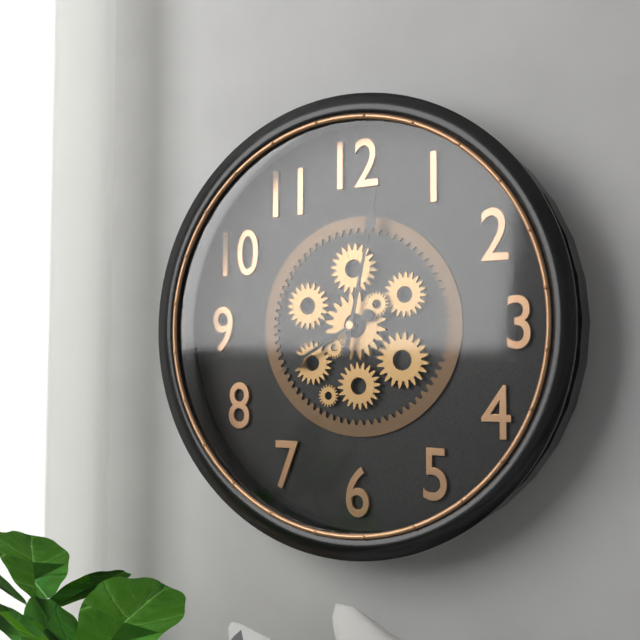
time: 8:02
